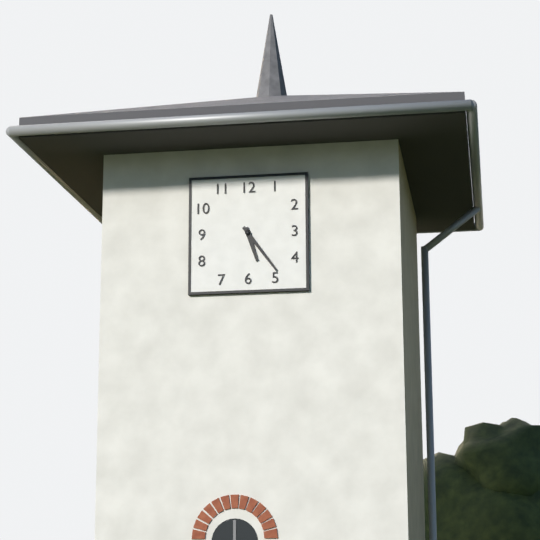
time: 5:24
